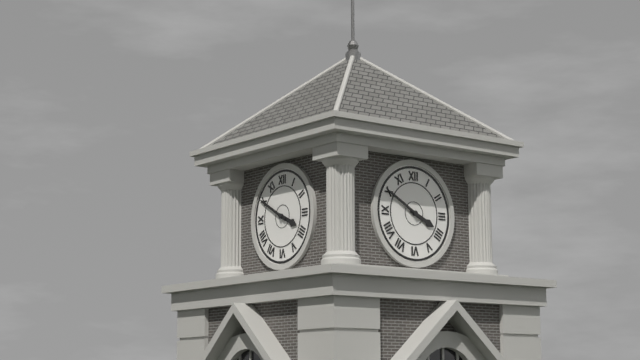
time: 3:50
